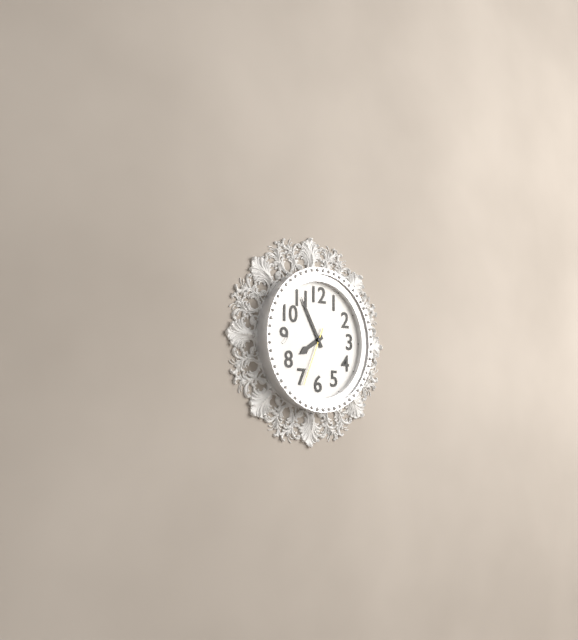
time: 7:55:34
